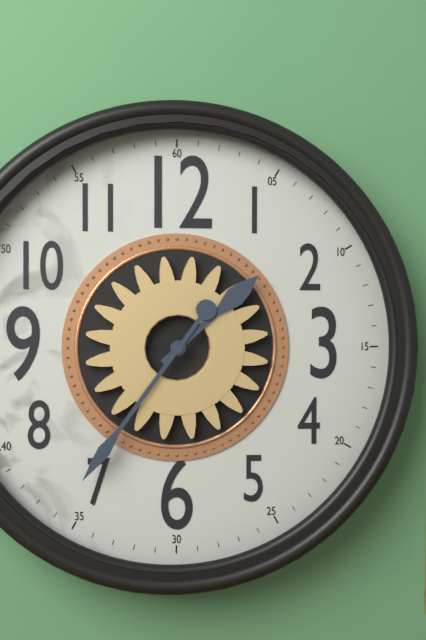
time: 1:36
